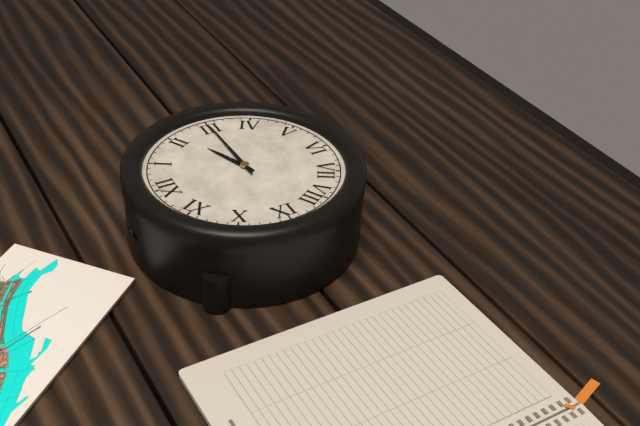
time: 2:15
